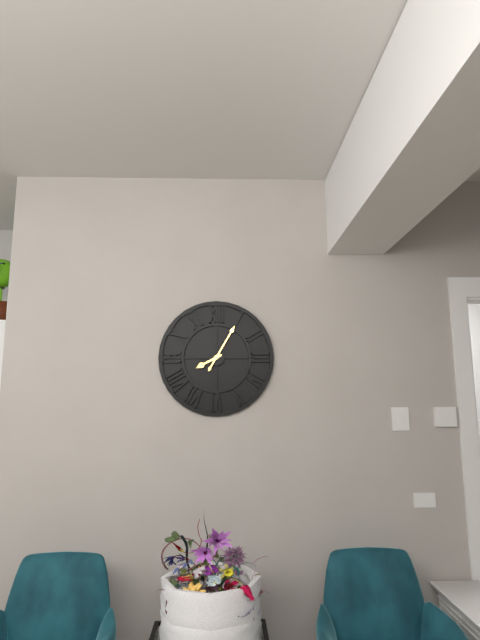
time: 8:05
